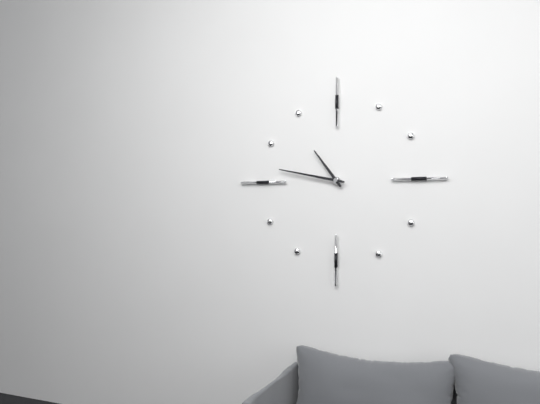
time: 10:47
